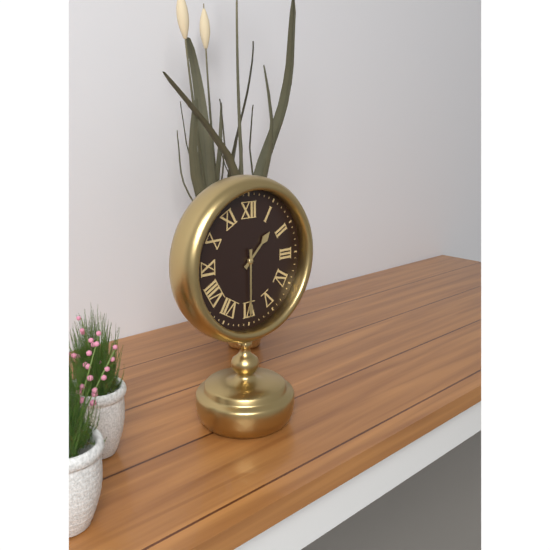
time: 1:30
